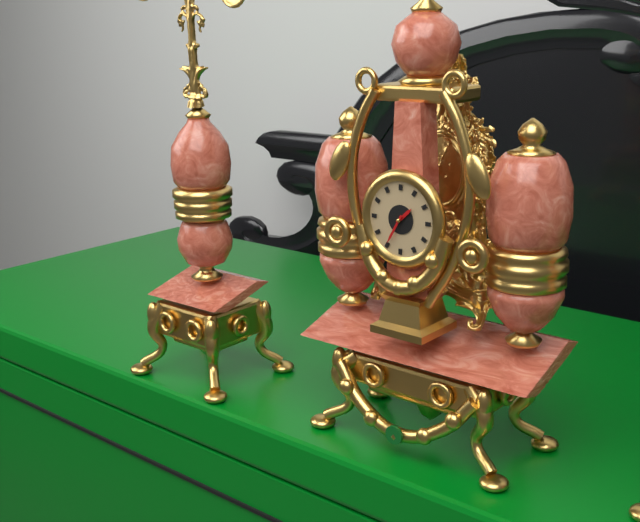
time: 1:35
